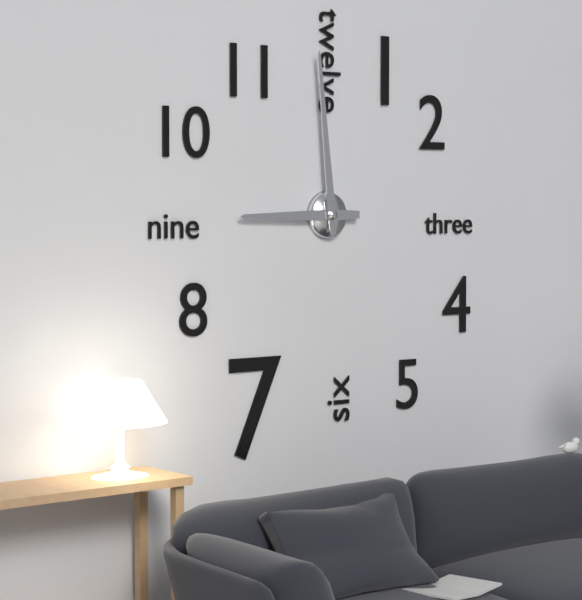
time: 8:59
